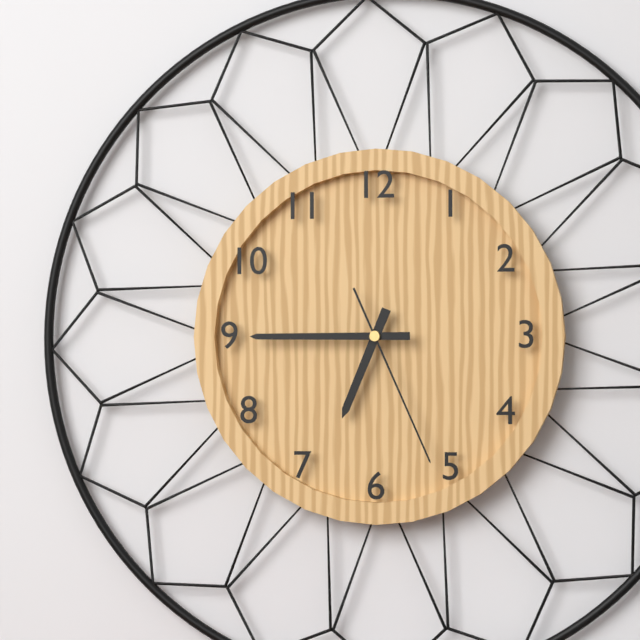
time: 6:45:26
